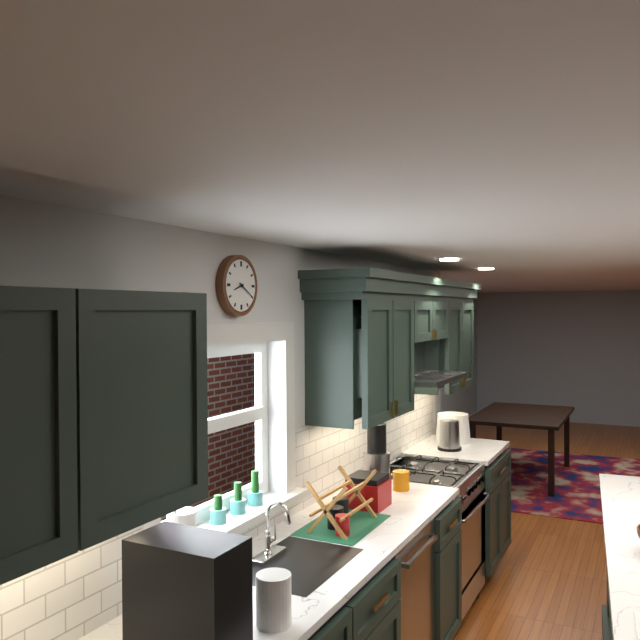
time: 8:20
